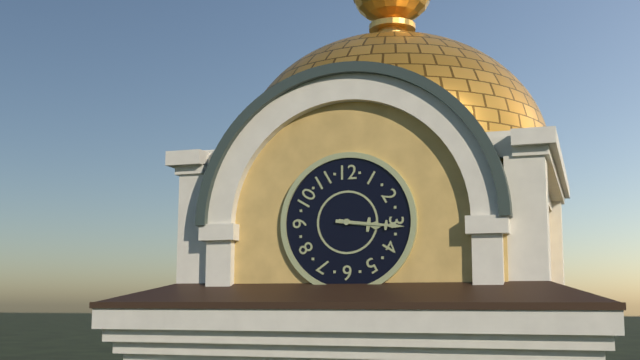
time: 3:16
